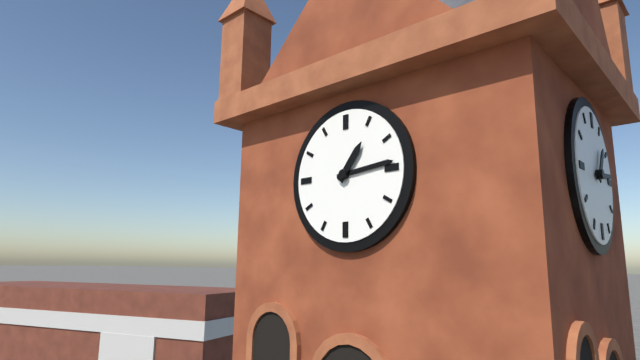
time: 1:14
